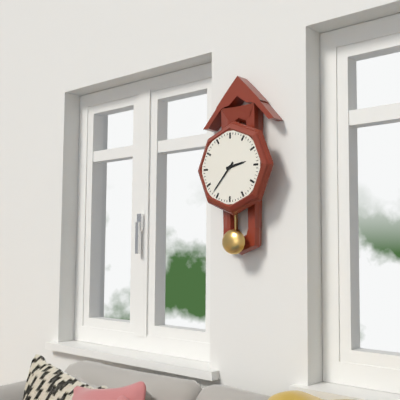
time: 2:37
